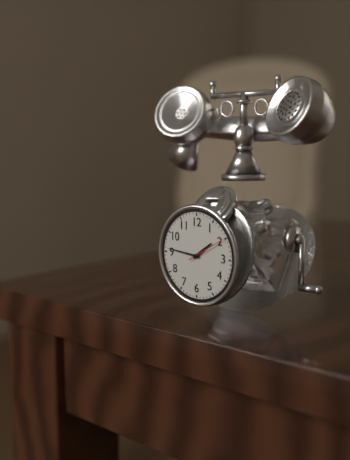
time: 1:46
